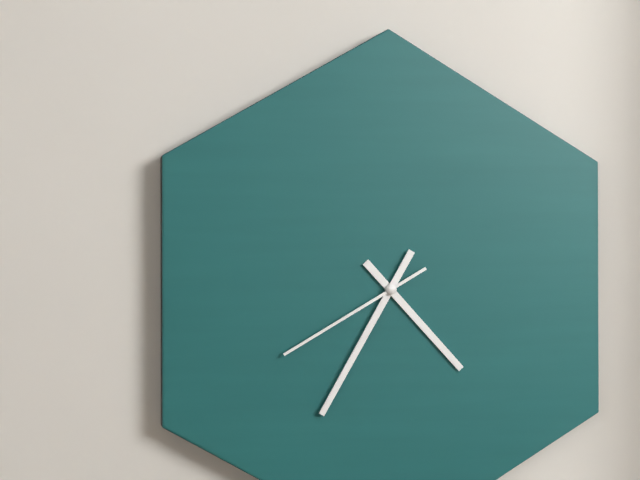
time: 4:35:40
